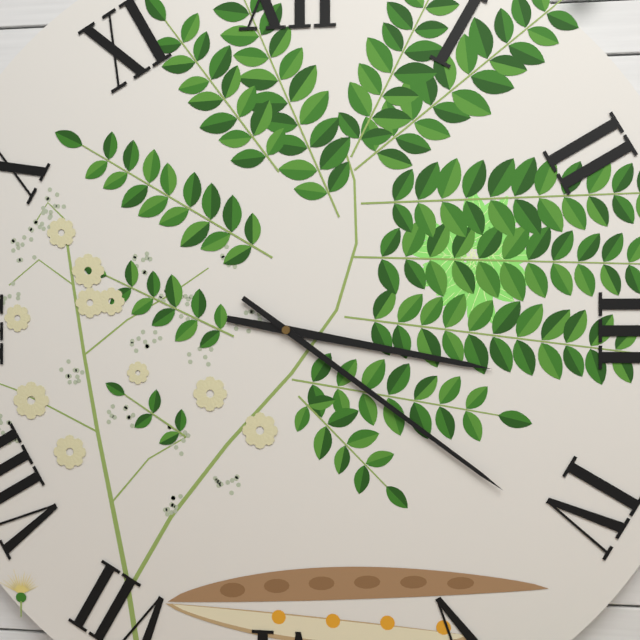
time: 3:21
